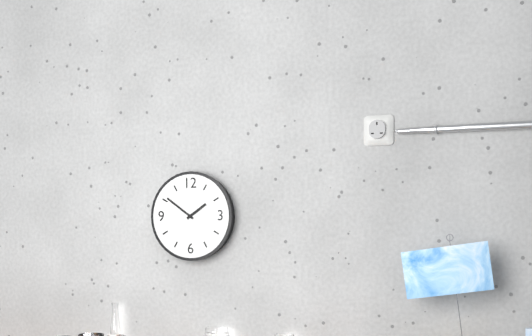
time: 1:51
